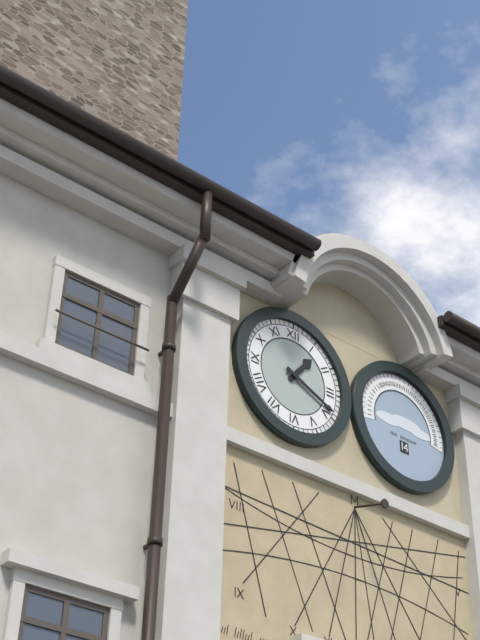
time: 1:19
